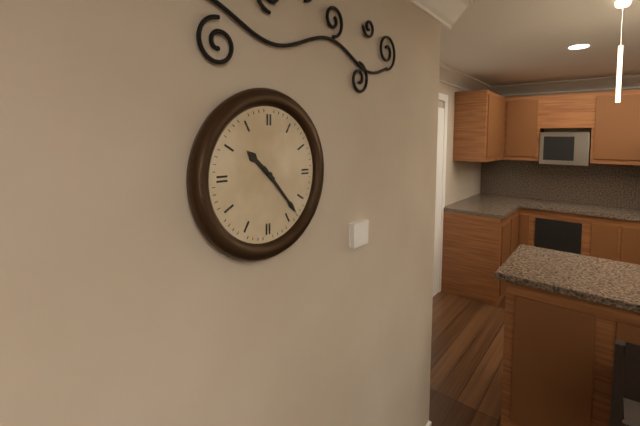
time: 10:23
